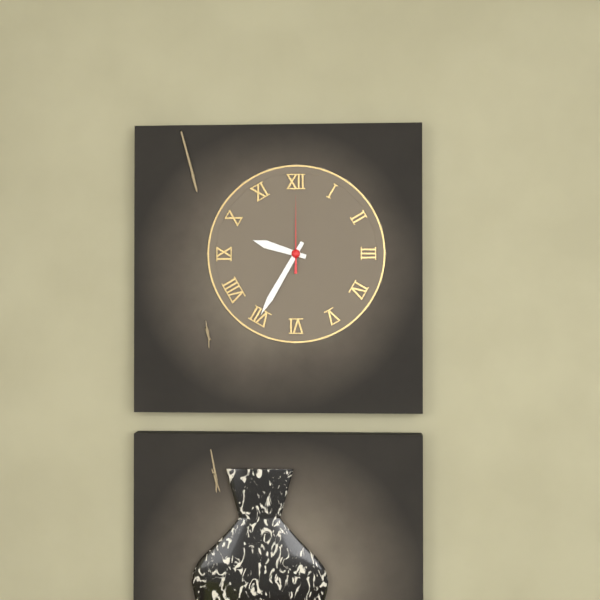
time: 9:35:00
